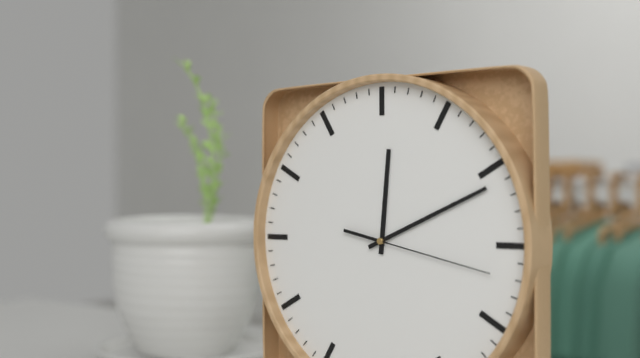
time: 12:11:17
